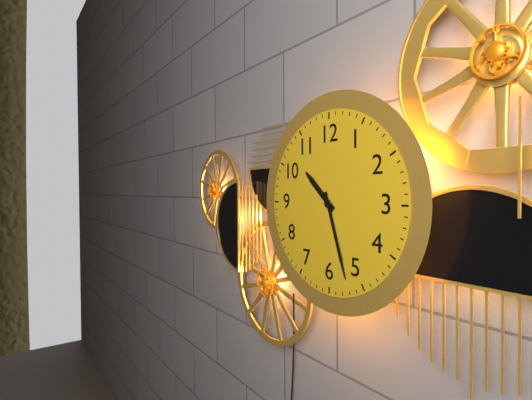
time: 10:27
